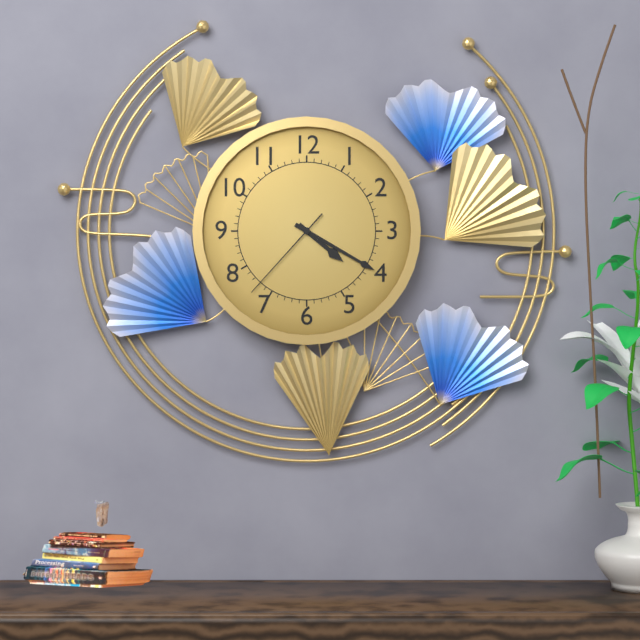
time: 4:20:37
